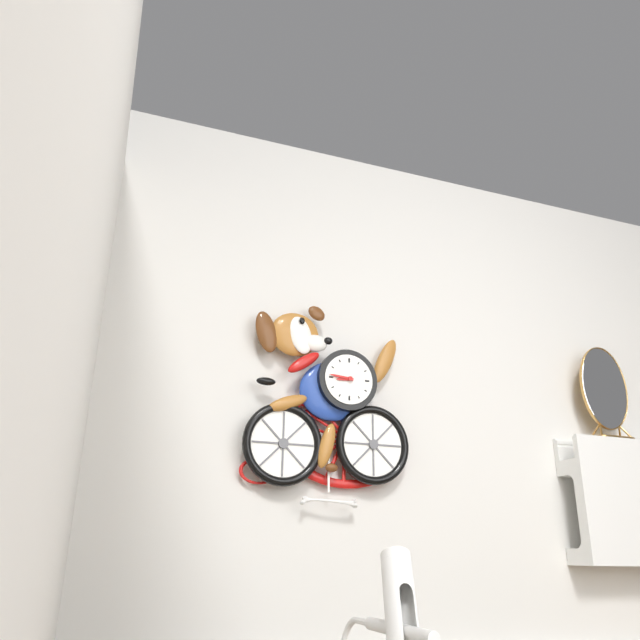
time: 8:46
